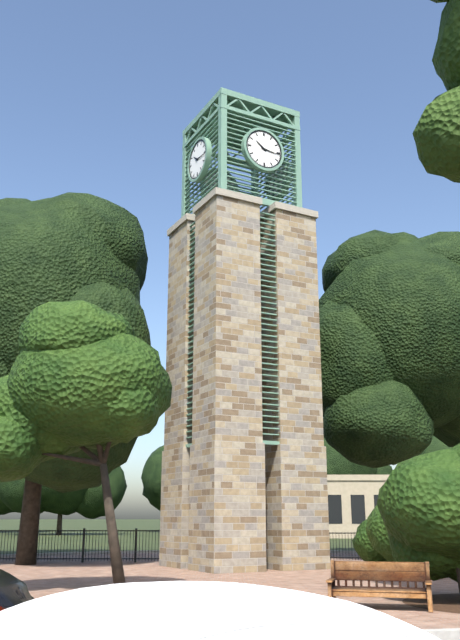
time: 10:16
